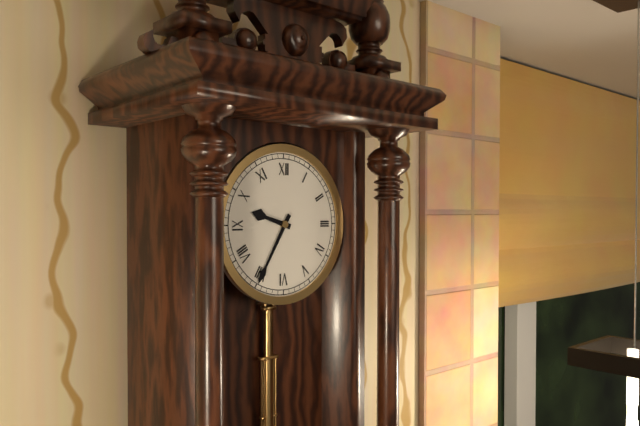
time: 9:35
